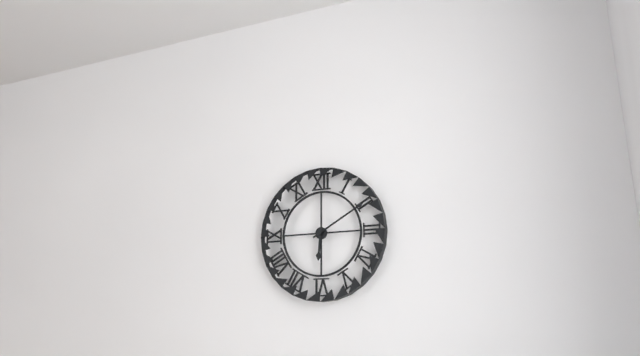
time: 6:10
